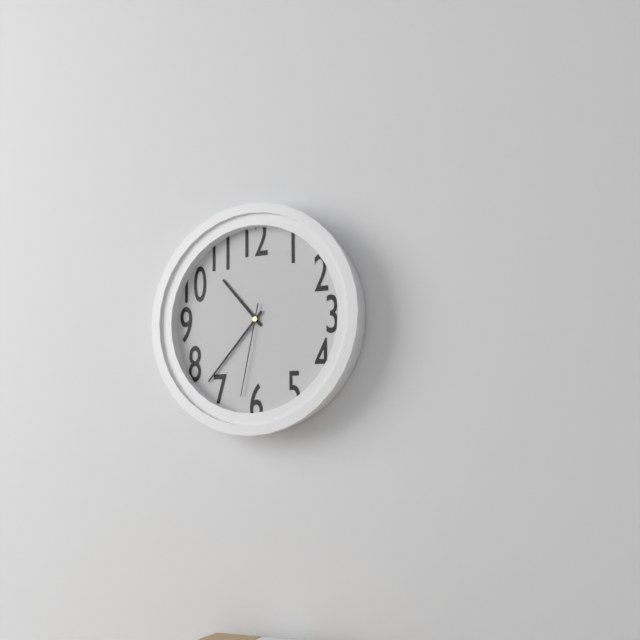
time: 10:37:32
